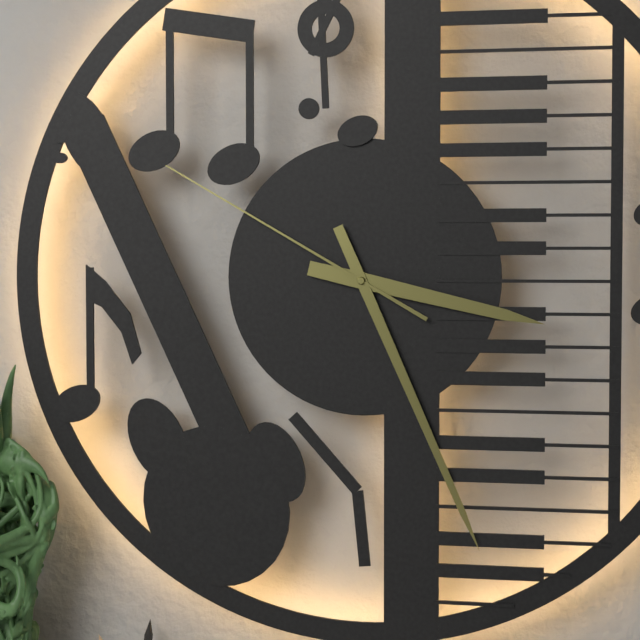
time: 3:26:50
